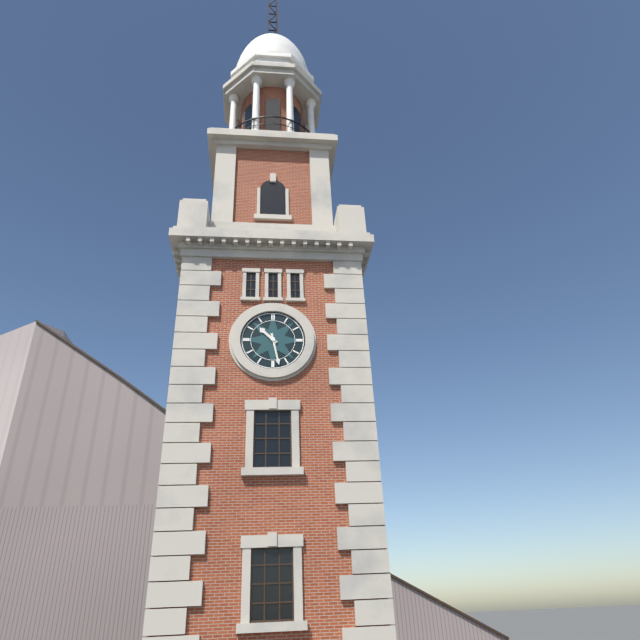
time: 10:28
